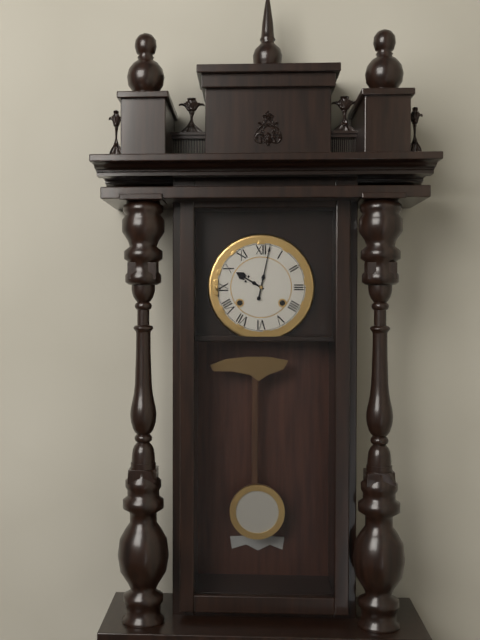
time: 10:02
